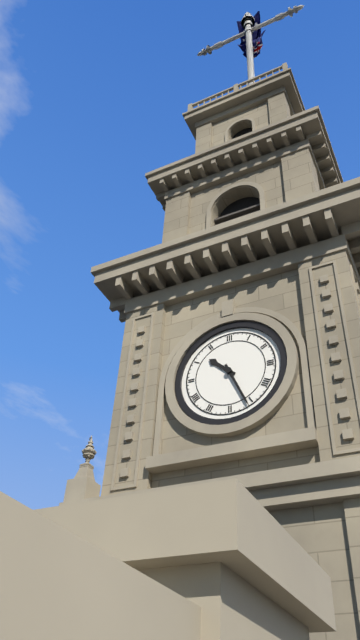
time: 10:26
